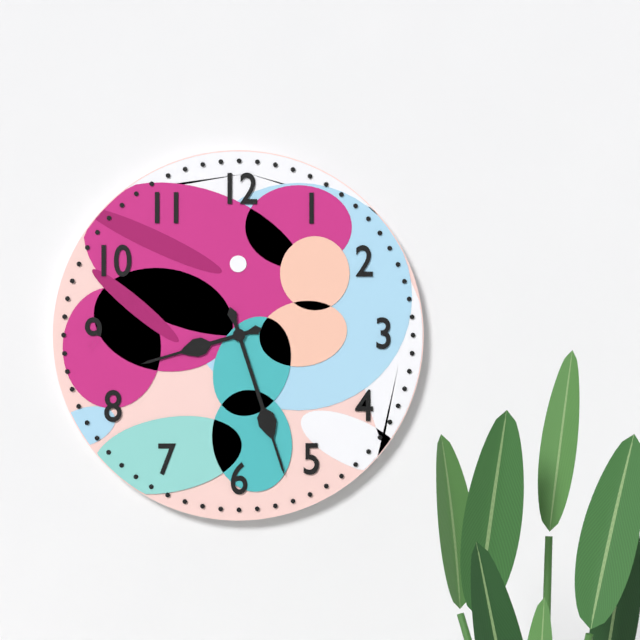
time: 8:27
